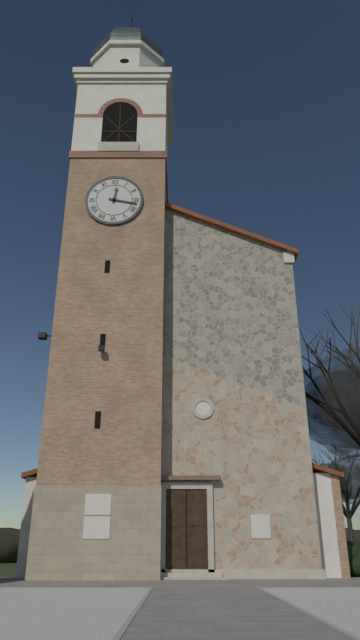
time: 12:17
